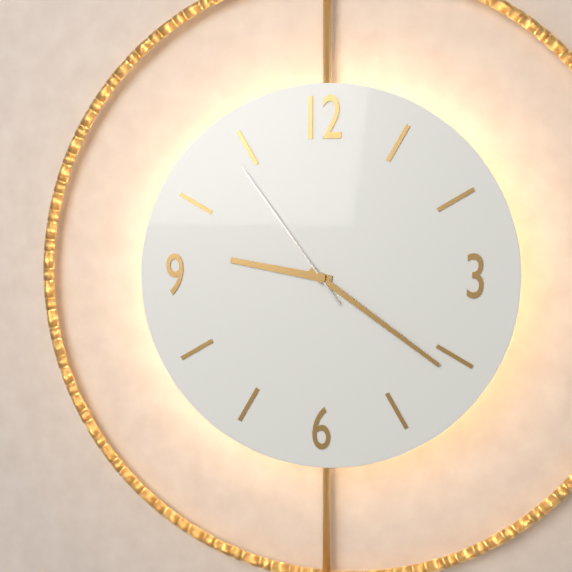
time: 9:21:54
